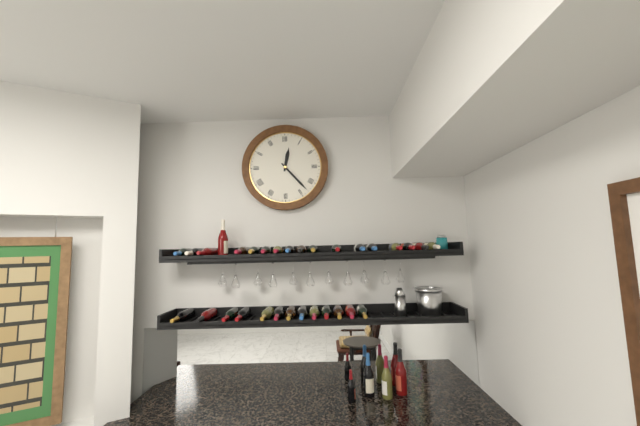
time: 12:23
